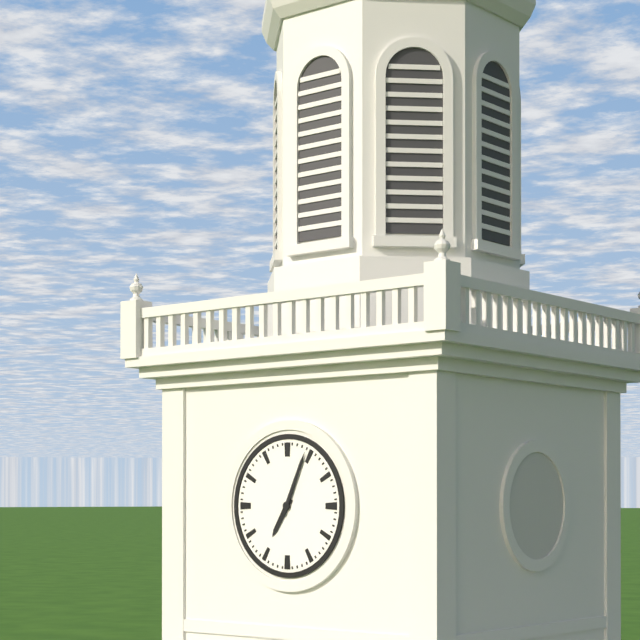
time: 7:04
